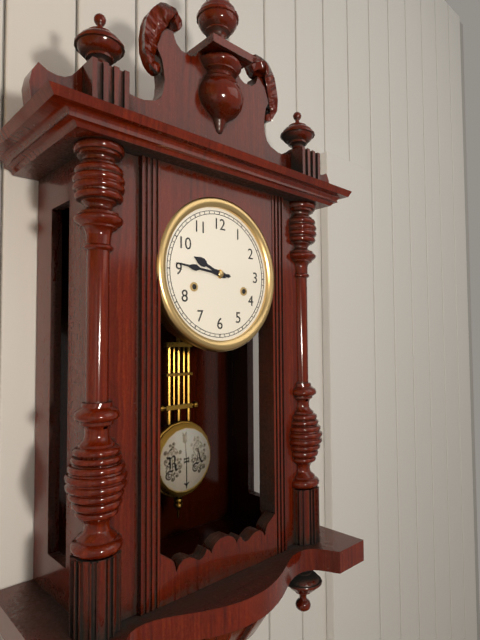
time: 9:46
